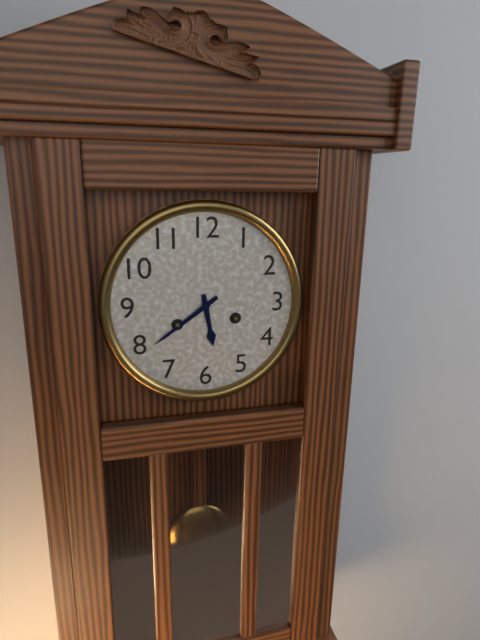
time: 5:39
